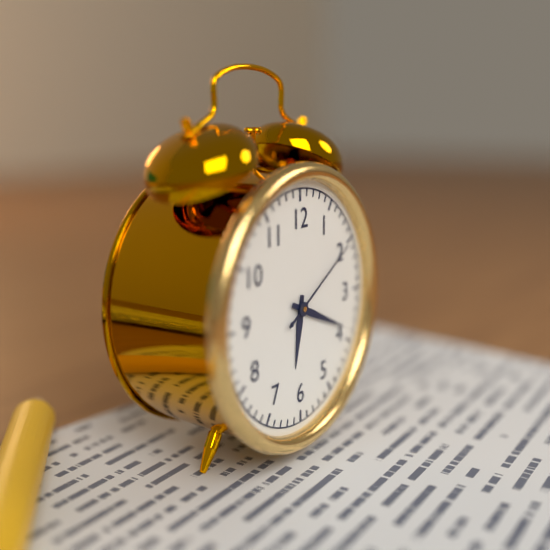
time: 6:19:10
